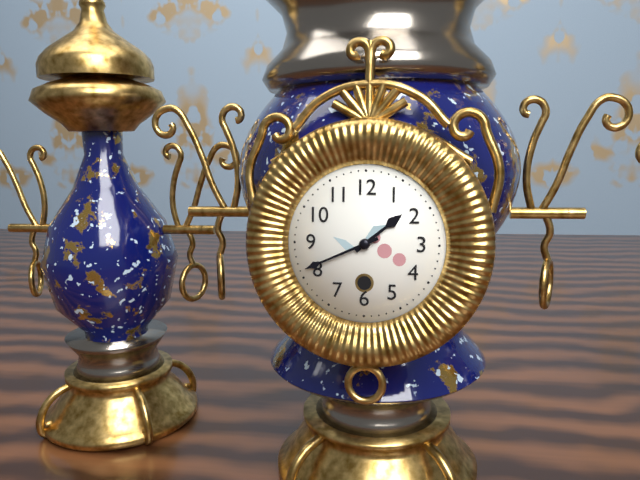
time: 1:41
